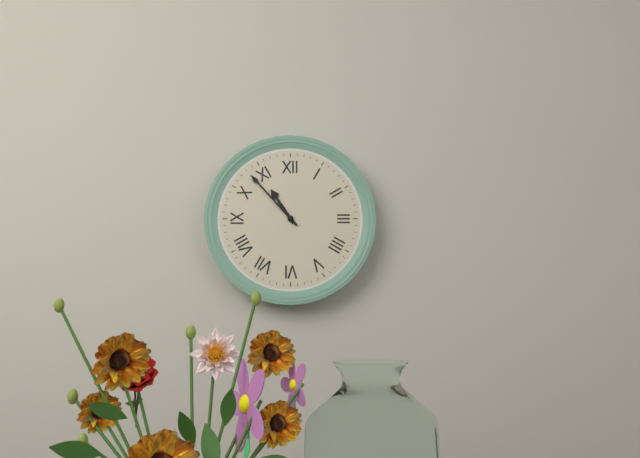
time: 10:53
